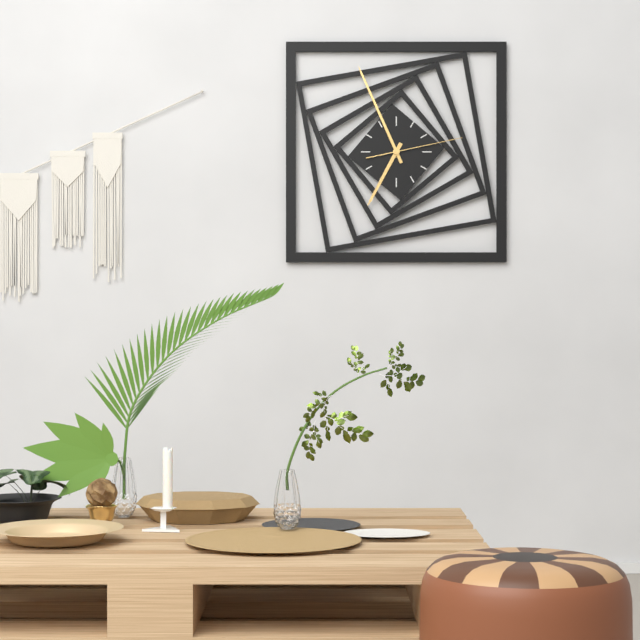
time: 6:56:13
